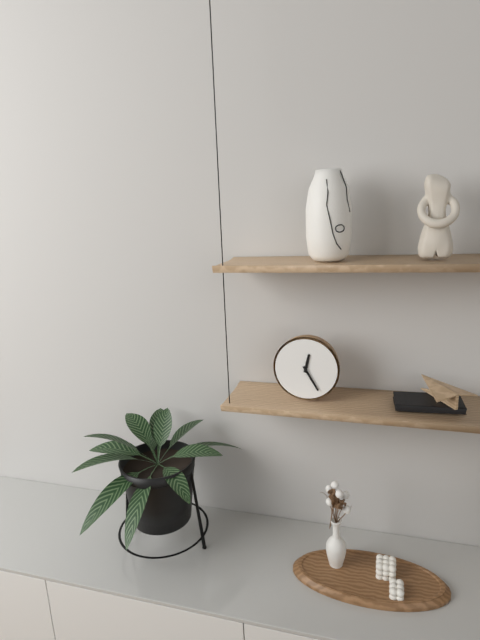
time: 12:25
